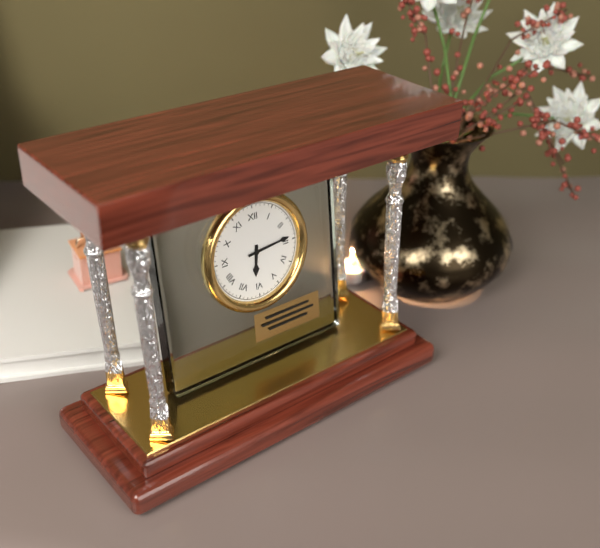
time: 6:14
